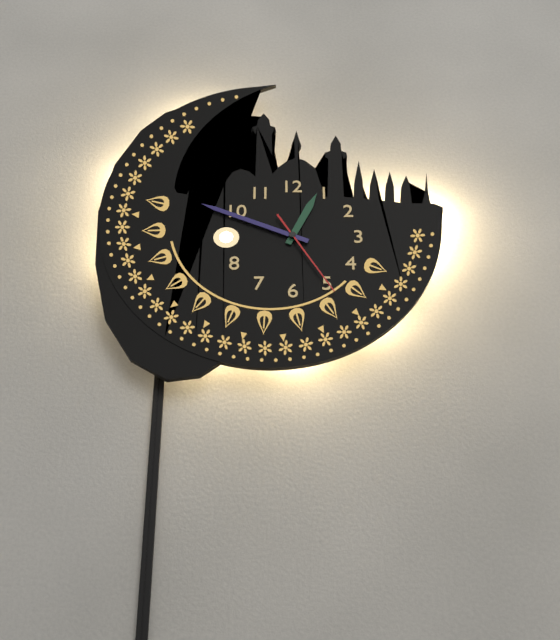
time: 12:49:25
